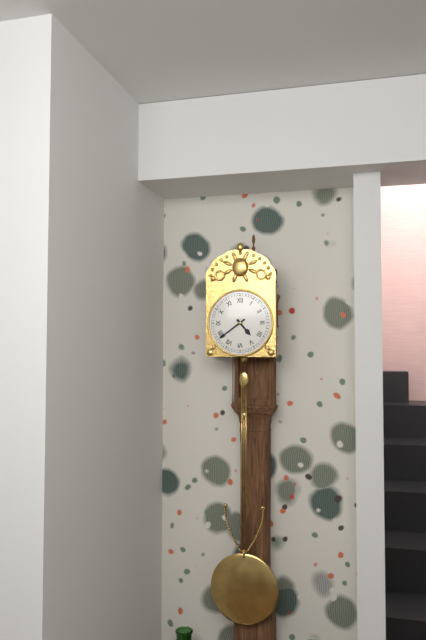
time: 4:39
